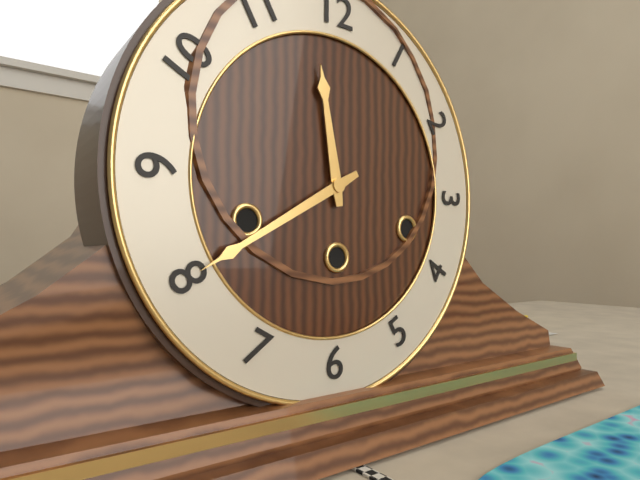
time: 11:40
